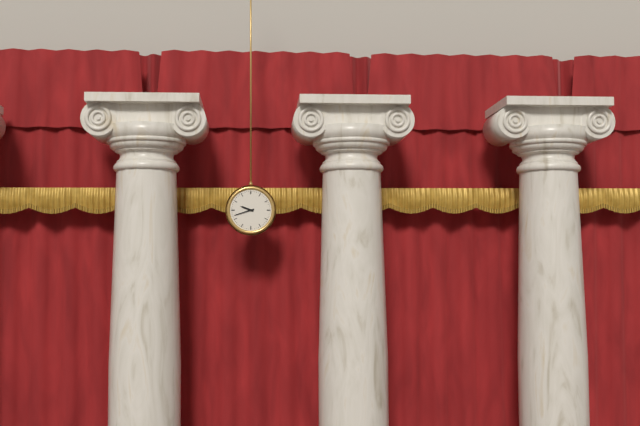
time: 9:42
